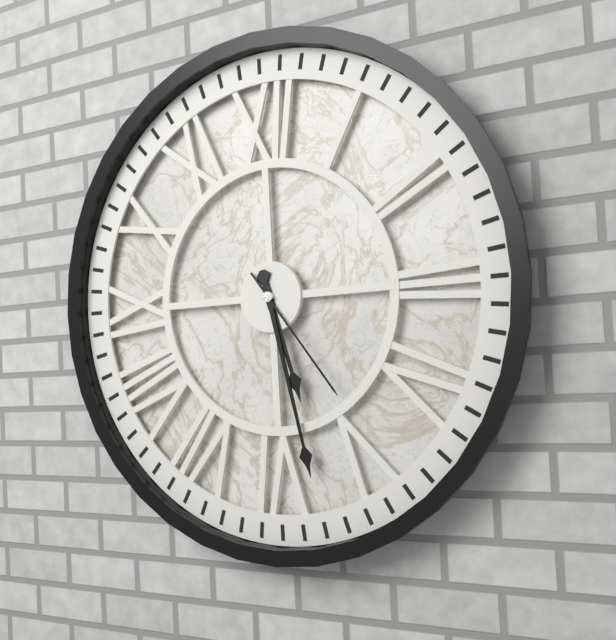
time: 5:28:24
